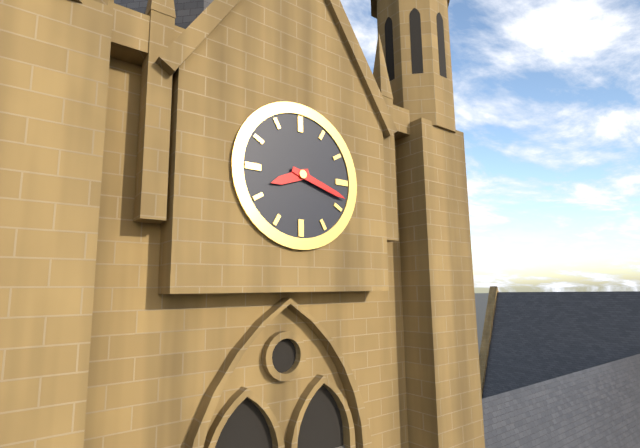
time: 8:18
